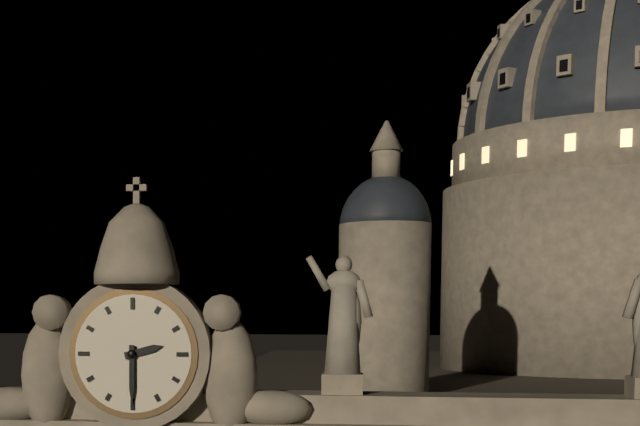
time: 2:30
